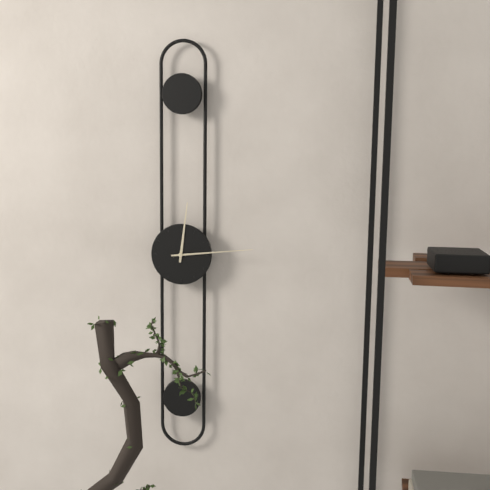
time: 12:14
